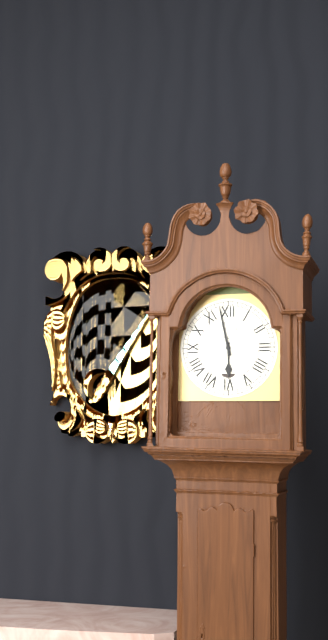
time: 5:58
